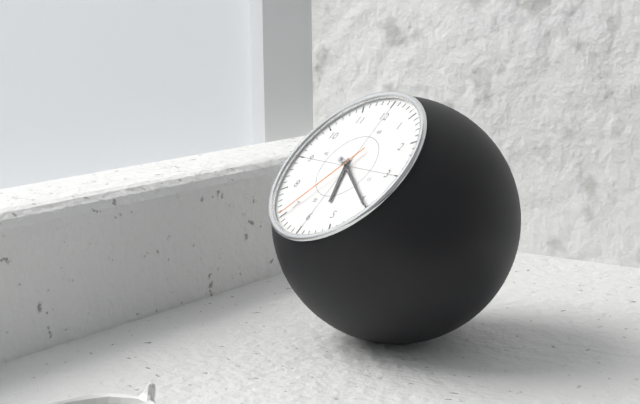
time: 5:20:35
